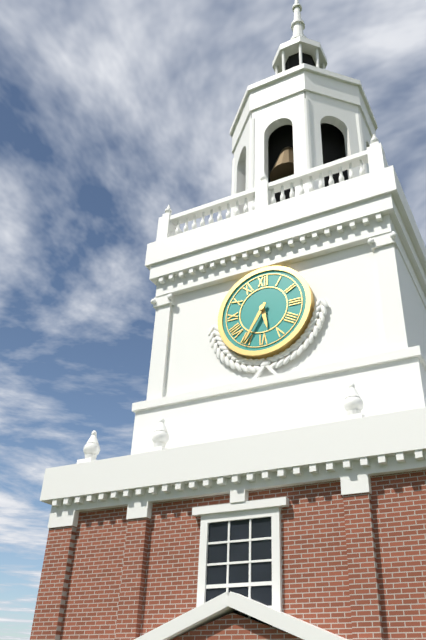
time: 5:35
